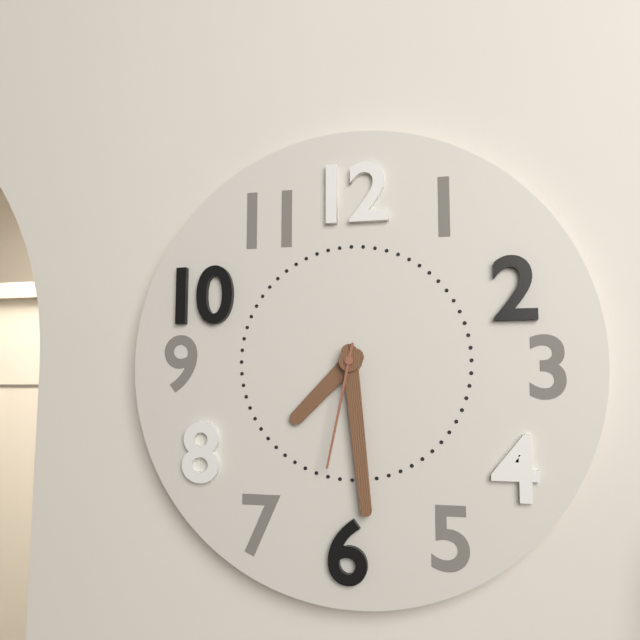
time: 7:29:32
